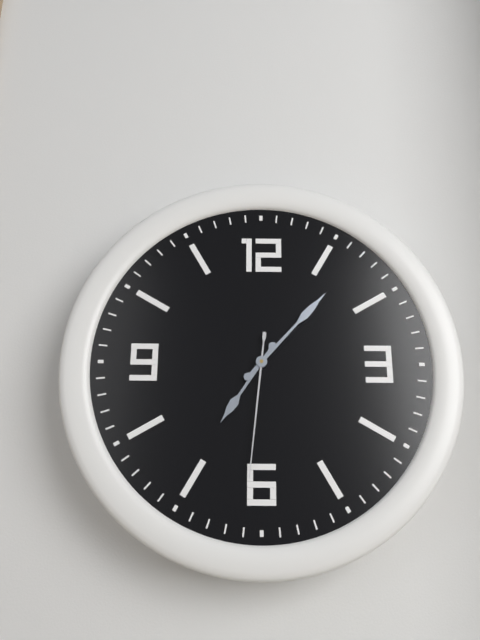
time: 7:07:31
